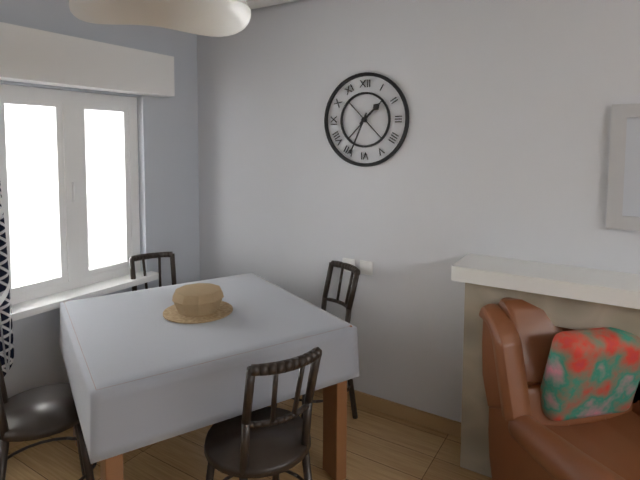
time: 1:34
